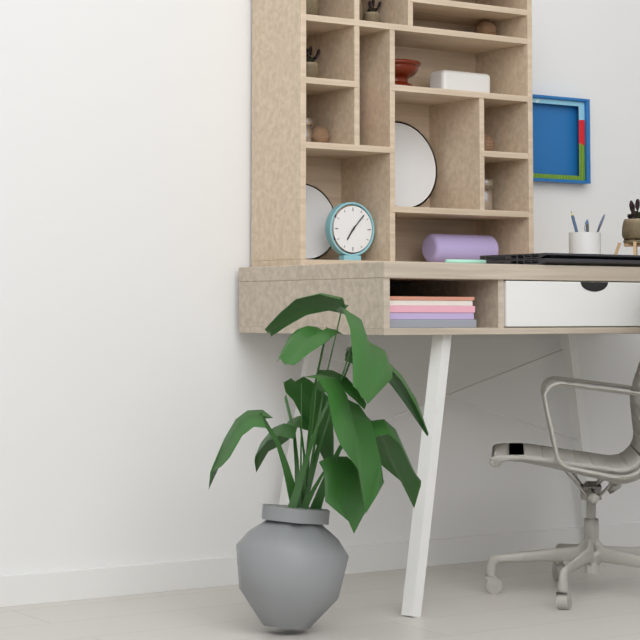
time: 7:07
